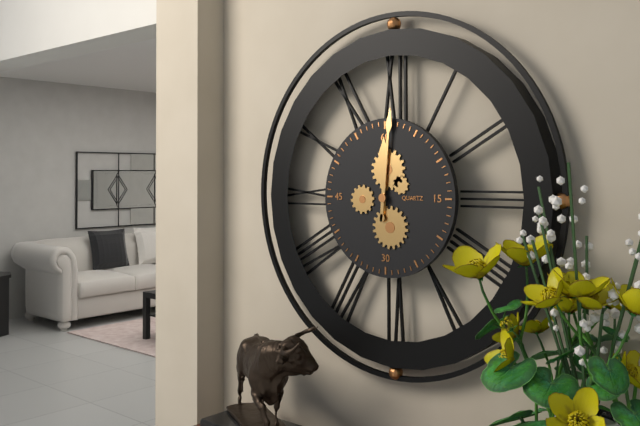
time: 12:01
